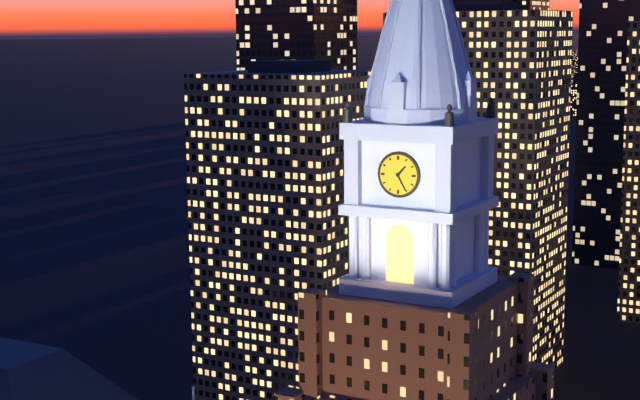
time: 1:25
